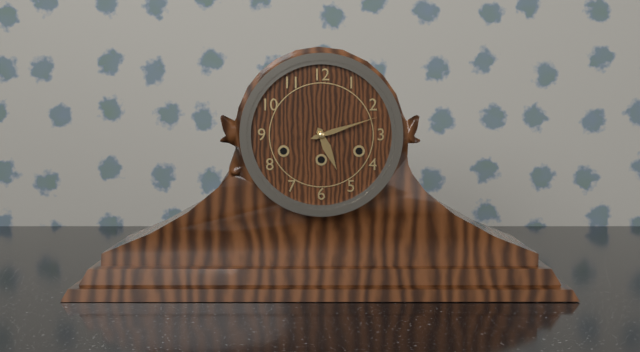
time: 5:12
